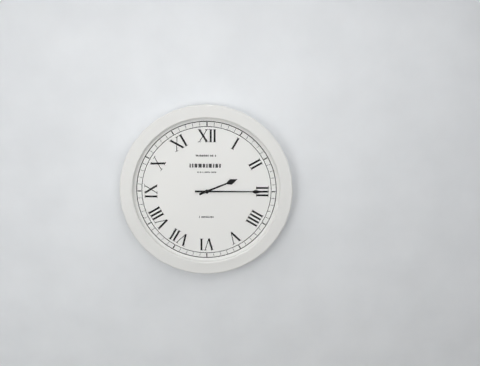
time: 2:15
